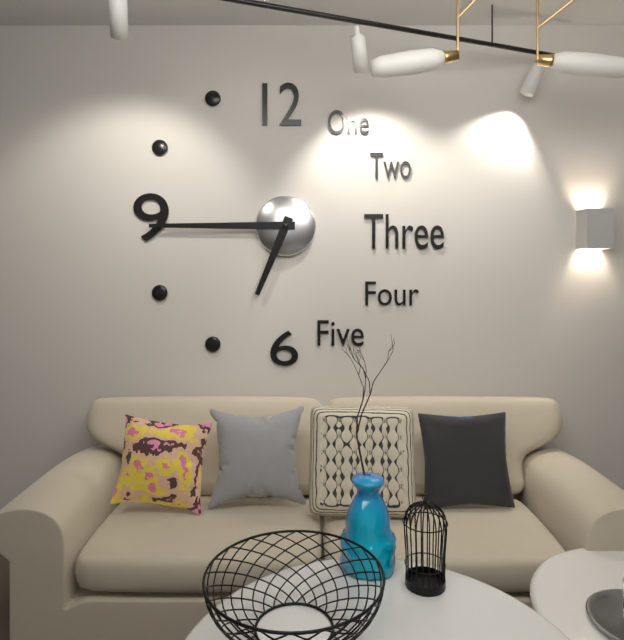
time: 6:45
